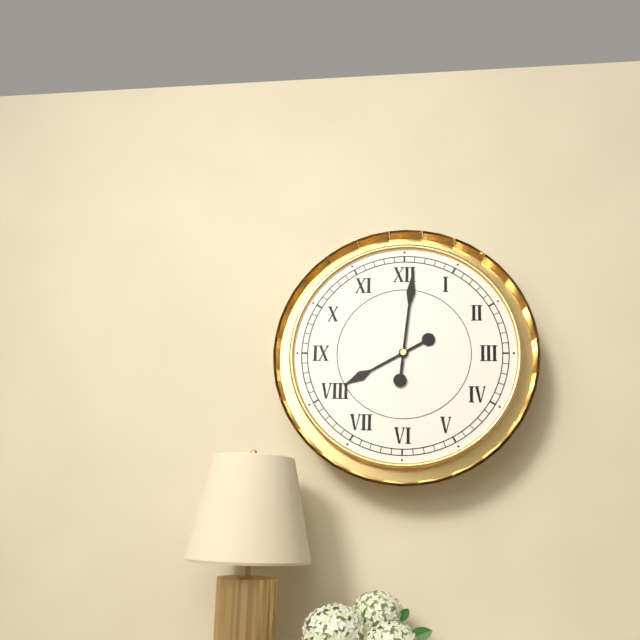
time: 8:01
